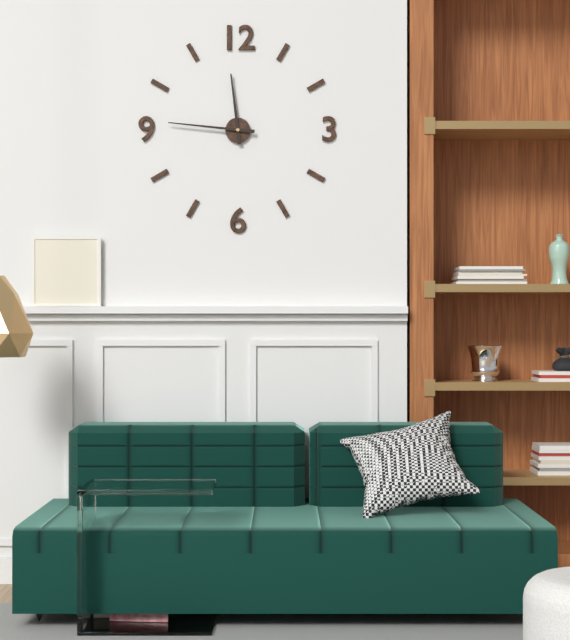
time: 11:46
